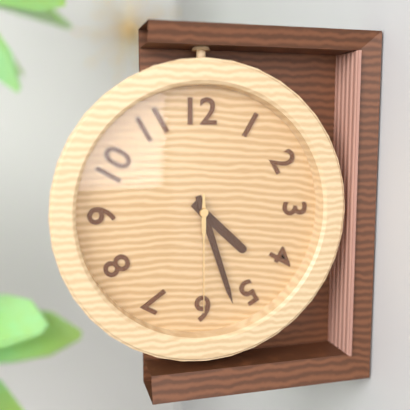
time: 4:27:30
